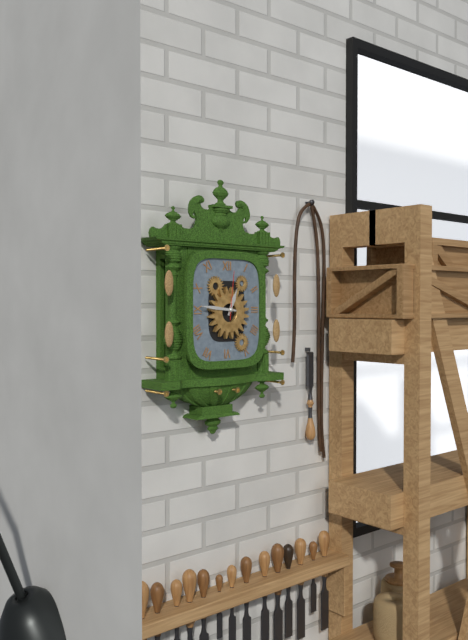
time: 12:46
